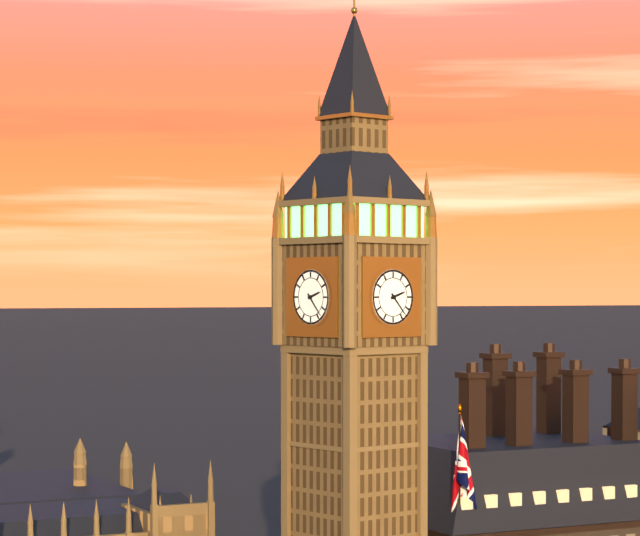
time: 2:23
